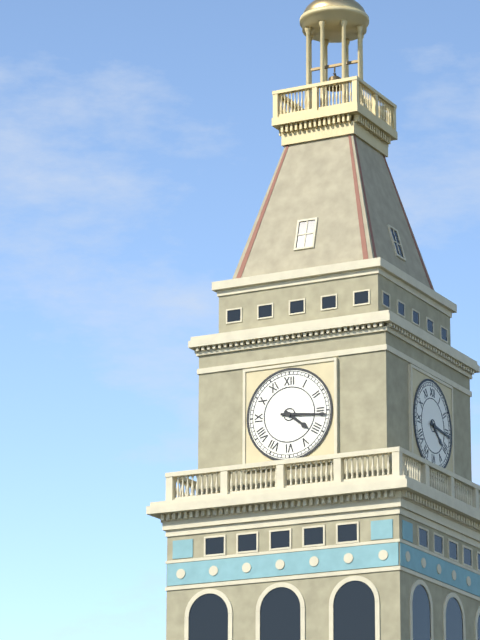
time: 4:16
